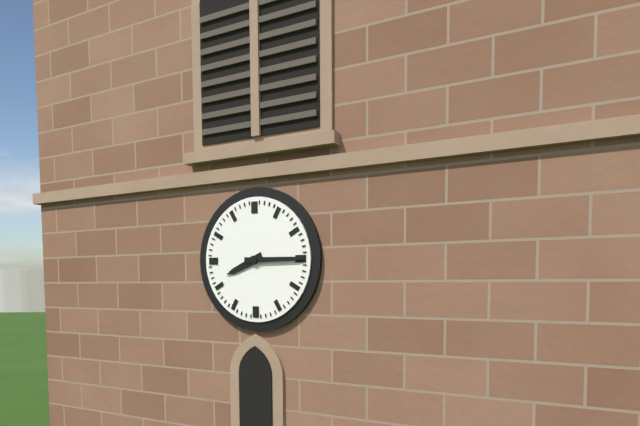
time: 8:15
